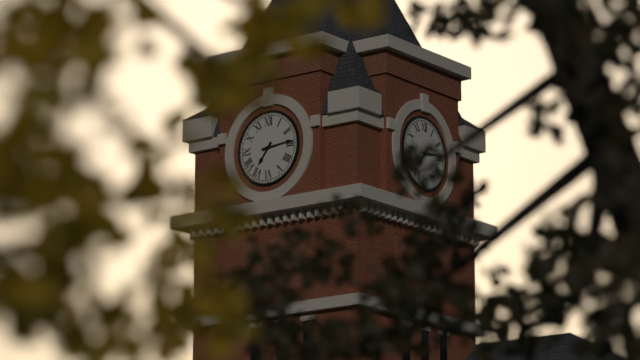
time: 7:14
